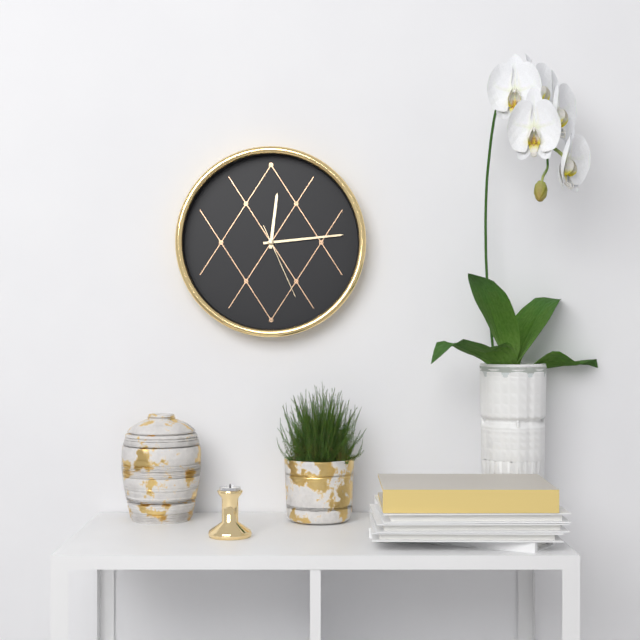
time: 12:14:26
